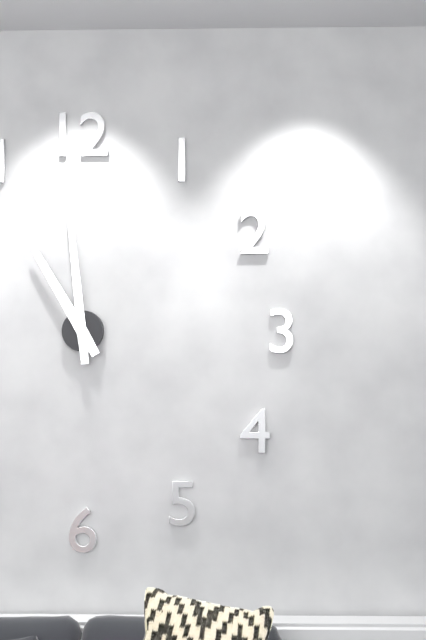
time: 10:59
